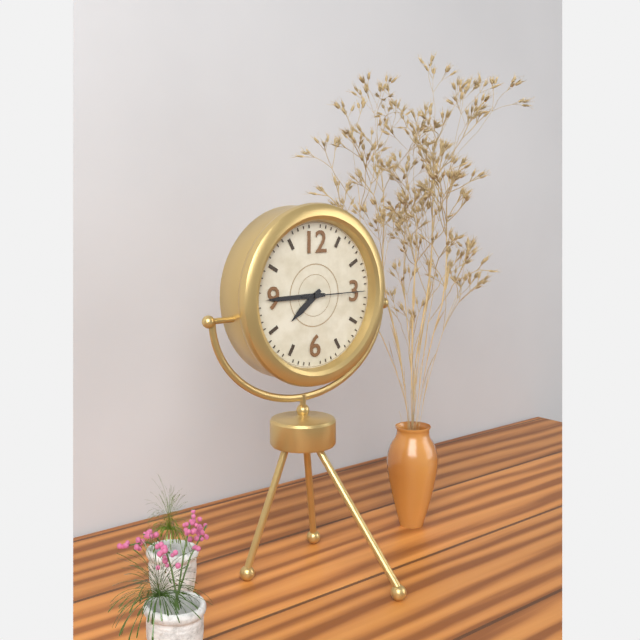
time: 7:45:15
